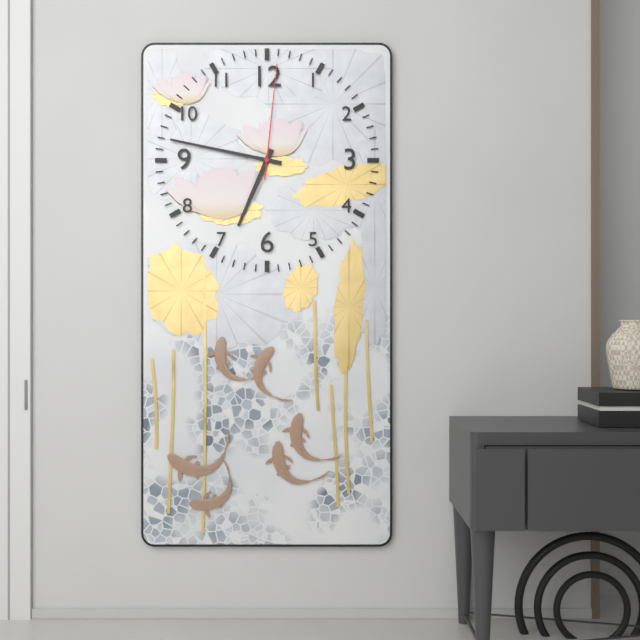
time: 6:47:01
